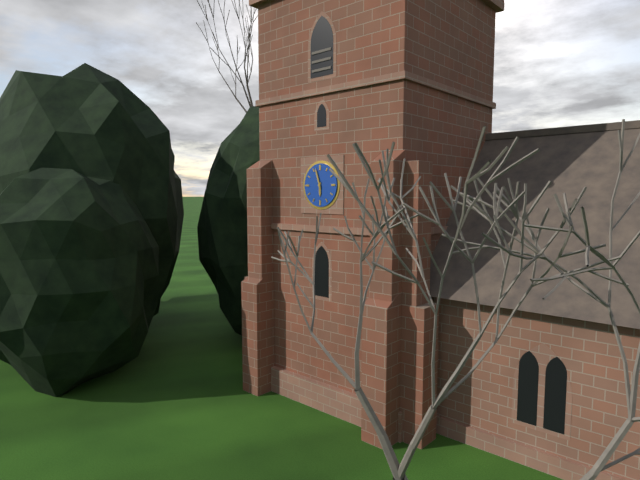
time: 5:57
